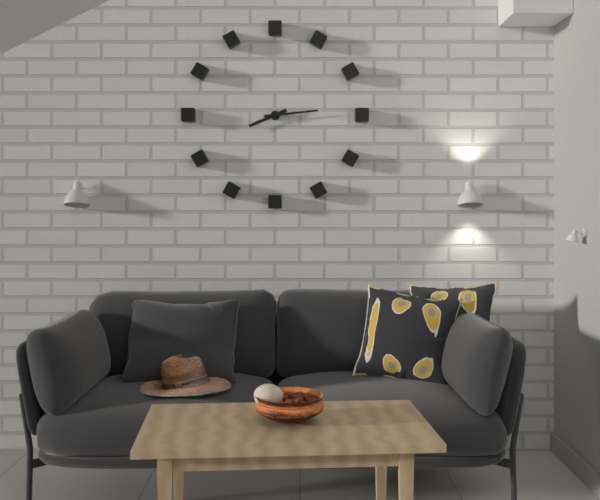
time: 8:14
